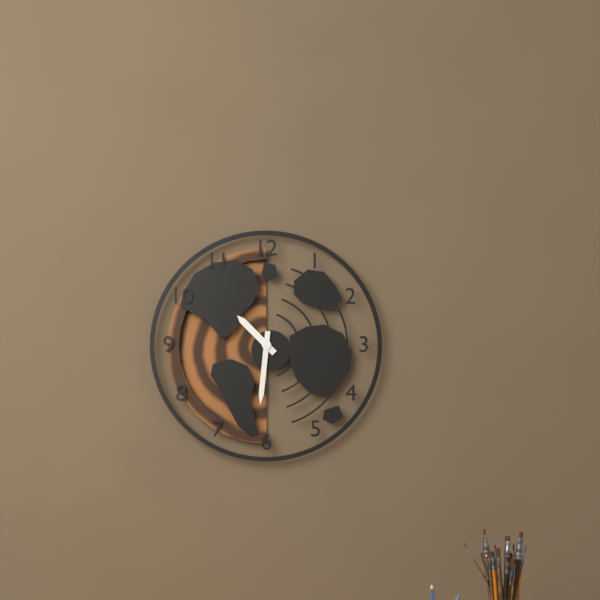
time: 10:31
